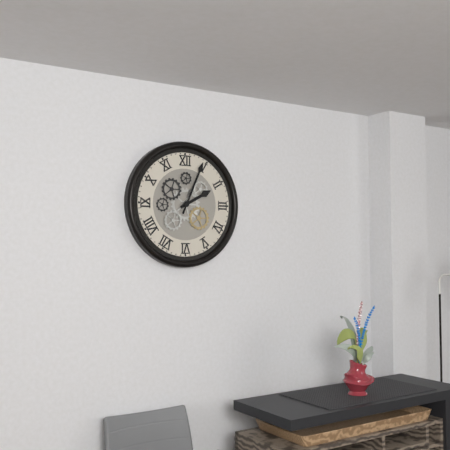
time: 2:04
